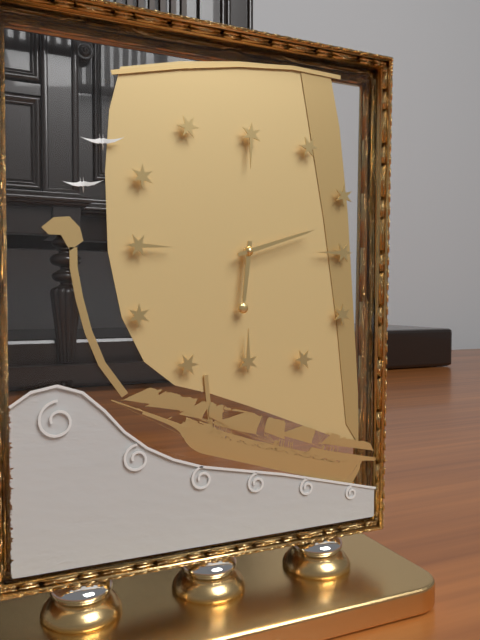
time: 6:12
